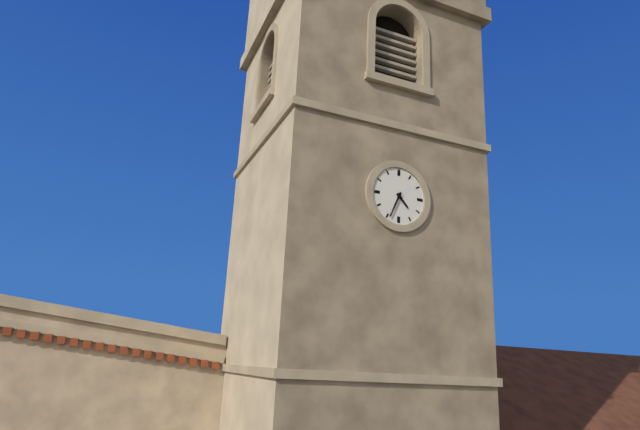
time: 4:34
